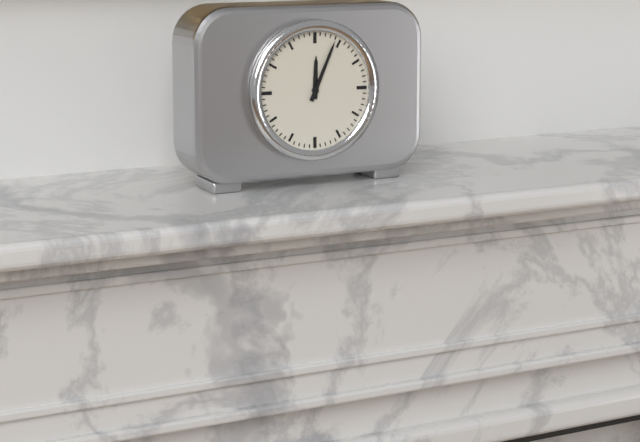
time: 12:04
